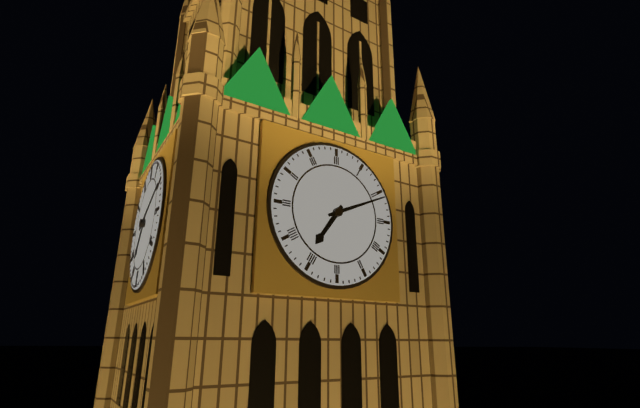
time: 7:11
